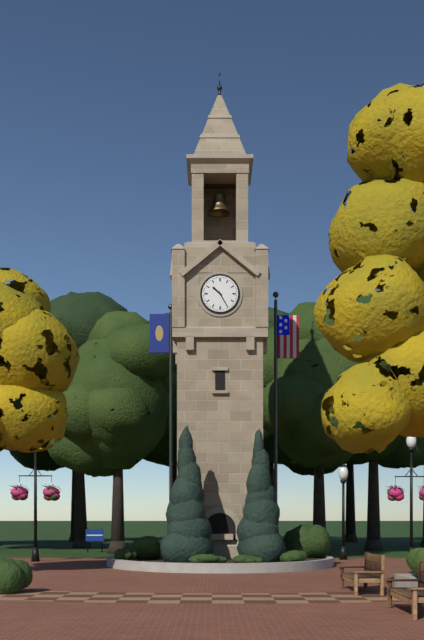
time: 10:25
